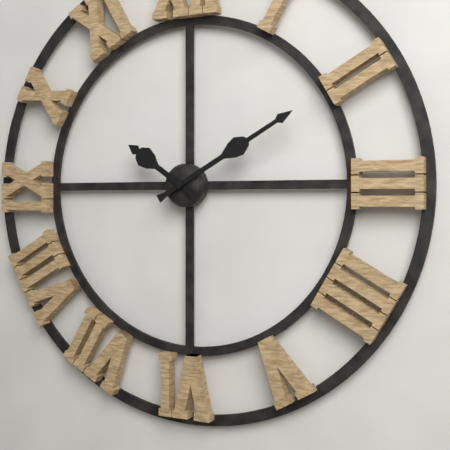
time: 10:10
